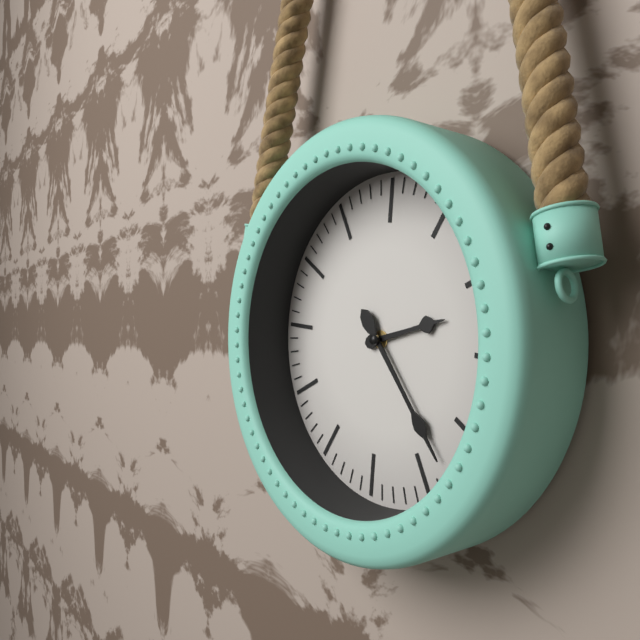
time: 2:23
